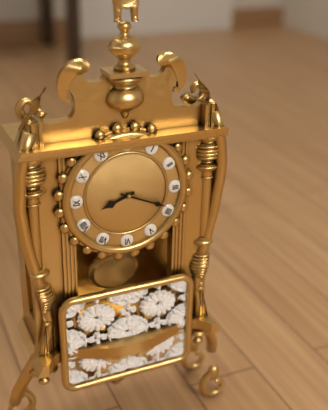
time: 8:19
